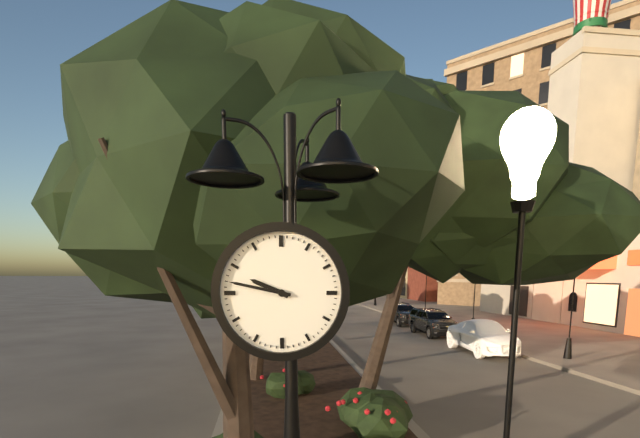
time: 9:47
